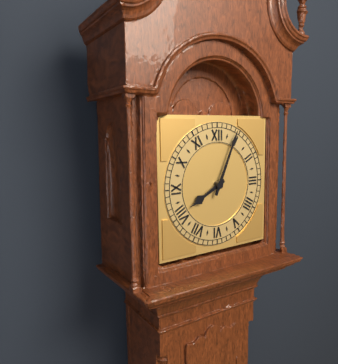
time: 8:04
